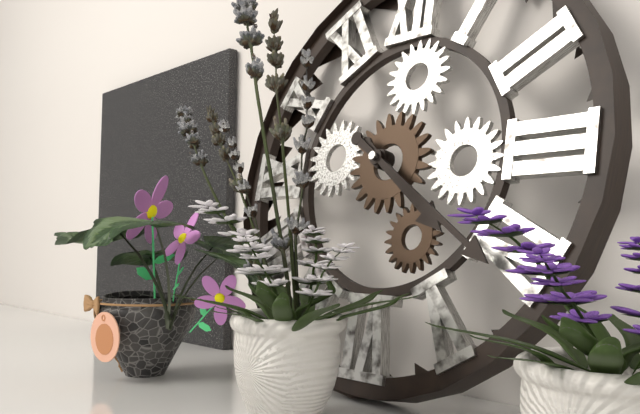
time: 4:21
